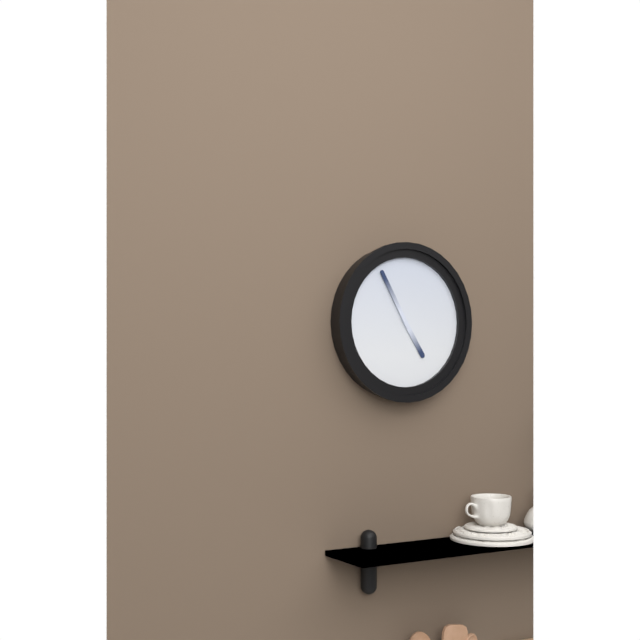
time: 4:55
